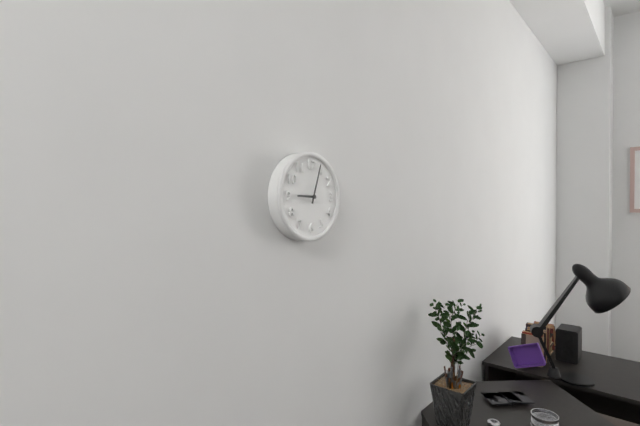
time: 9:03
